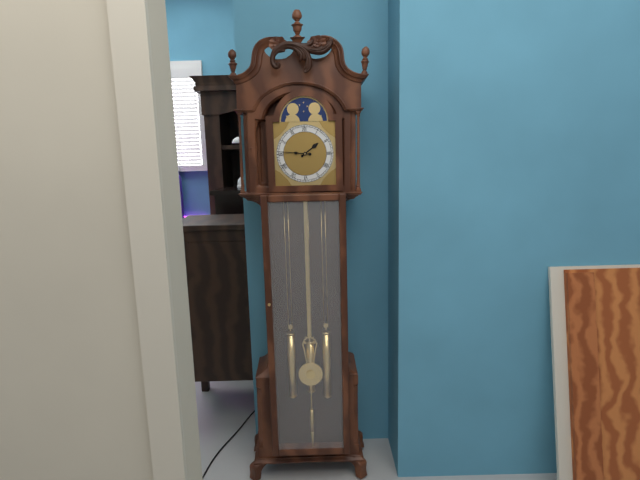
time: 1:46
